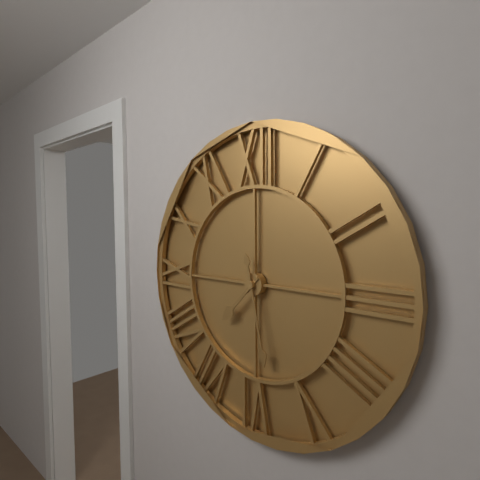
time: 7:28
